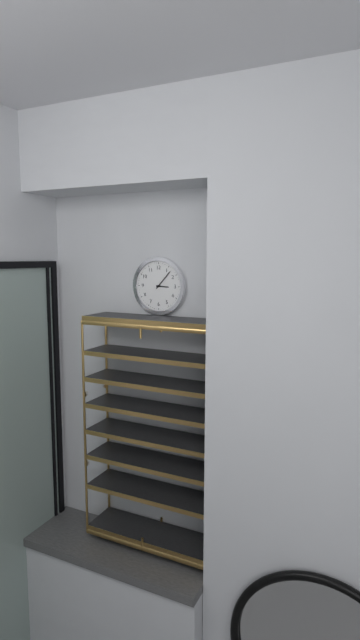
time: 3:07
